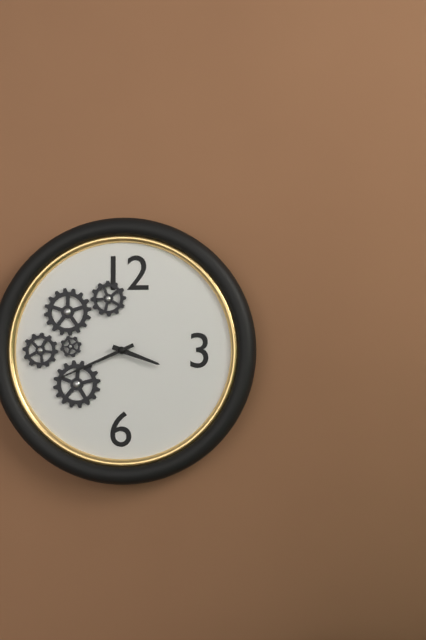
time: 3:41
